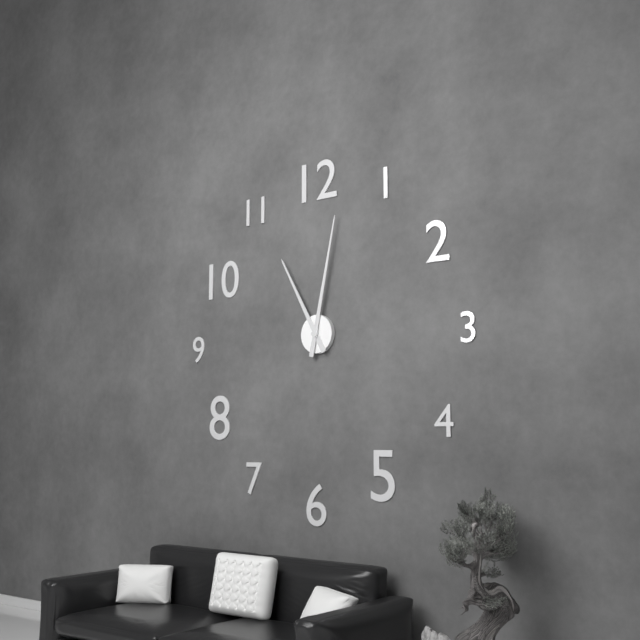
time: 11:02
